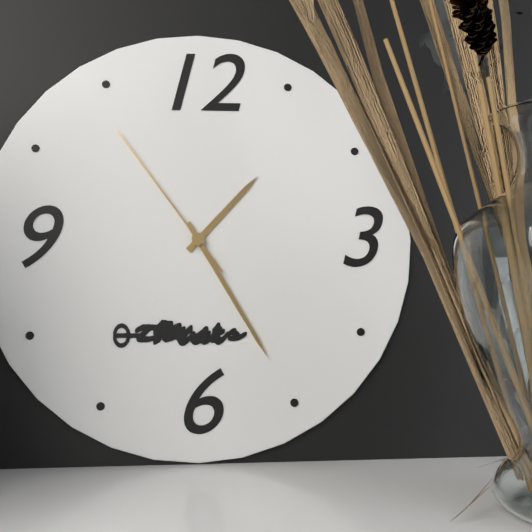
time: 1:25:54
